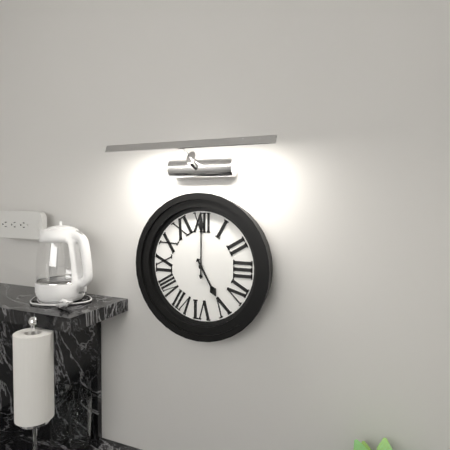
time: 5:00
